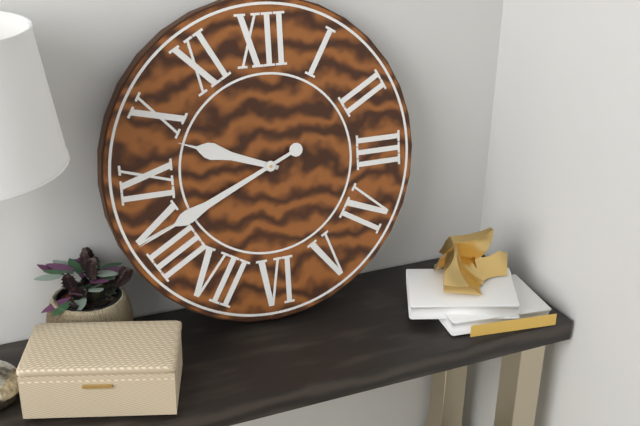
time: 9:41
